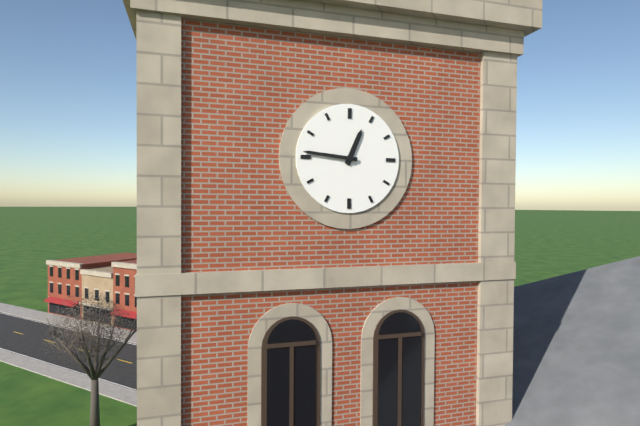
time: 12:46
